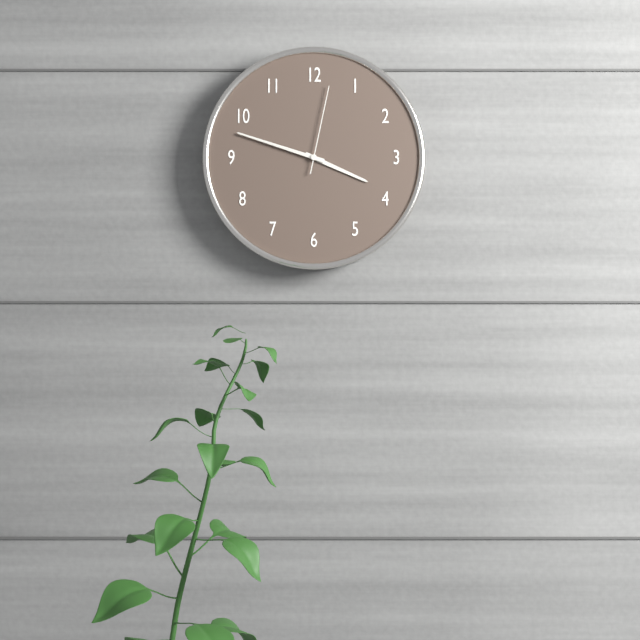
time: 3:48:02
